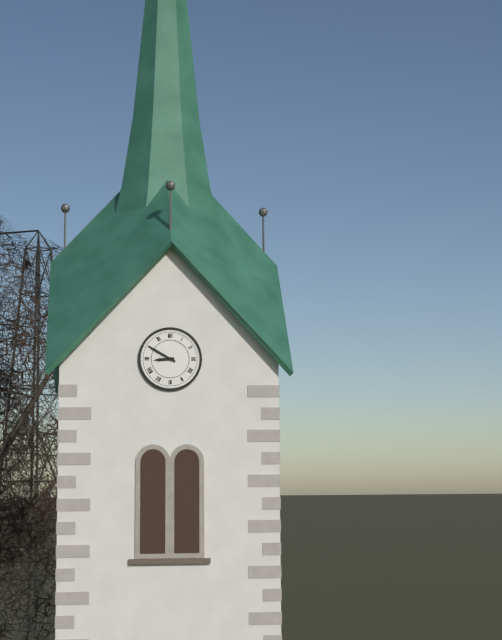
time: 8:50
